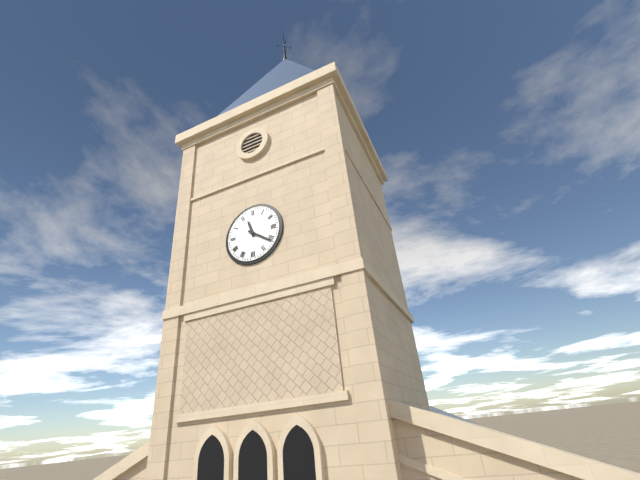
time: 11:21
